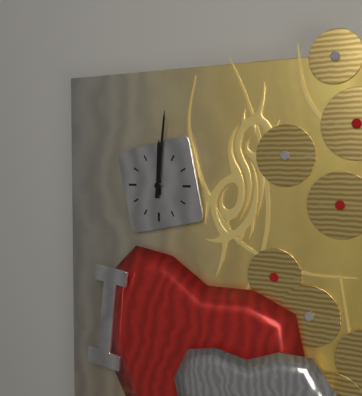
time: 12:01
